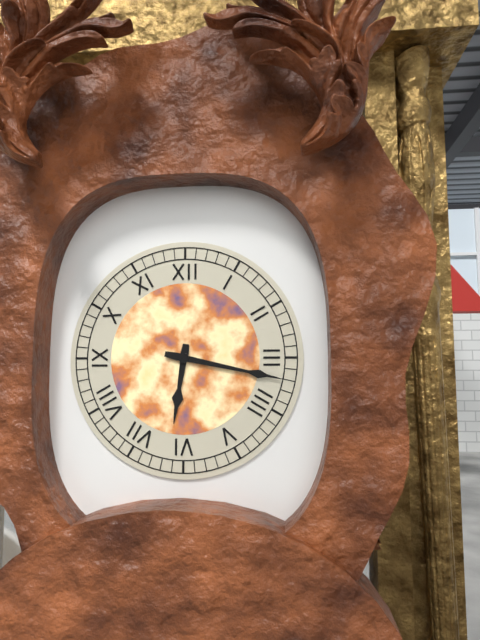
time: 6:17
